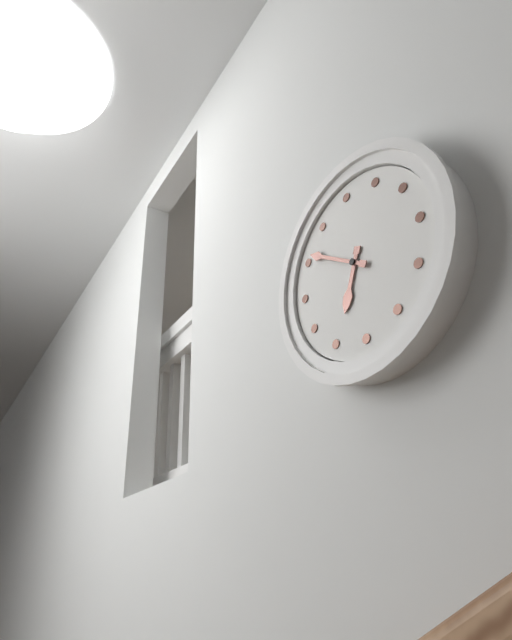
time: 6:51
